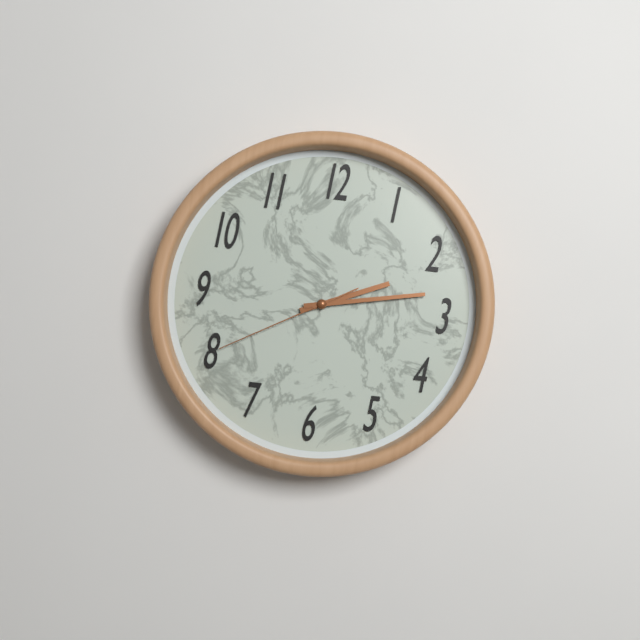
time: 2:13:40
